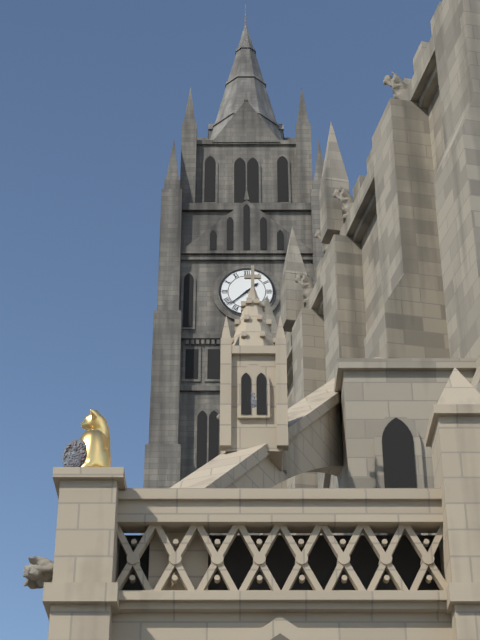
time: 1:38
